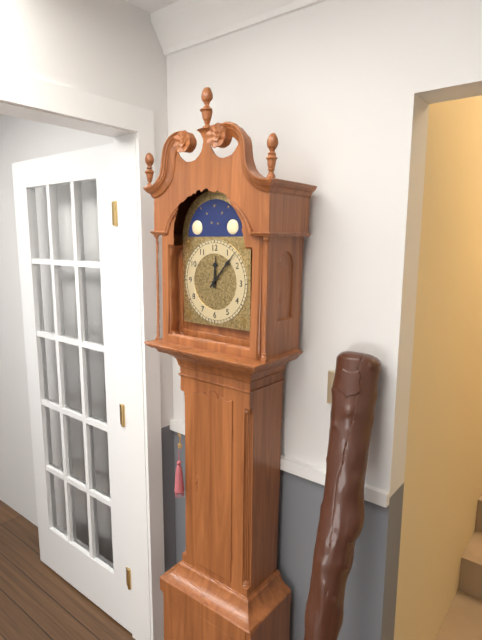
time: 12:07
